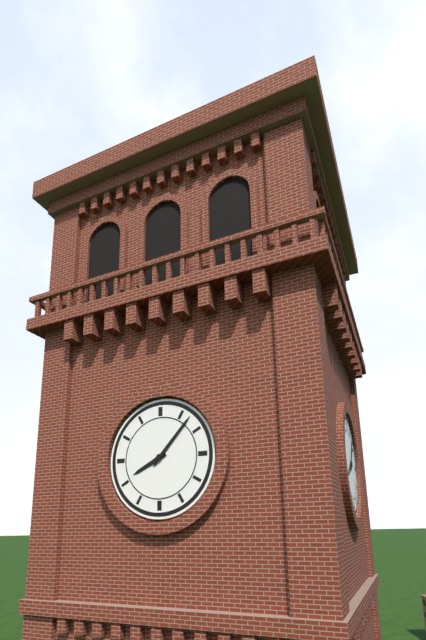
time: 8:07
